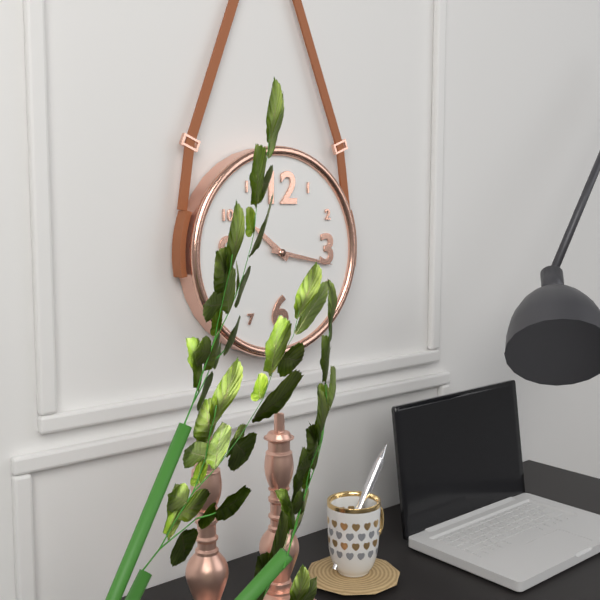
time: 10:17
